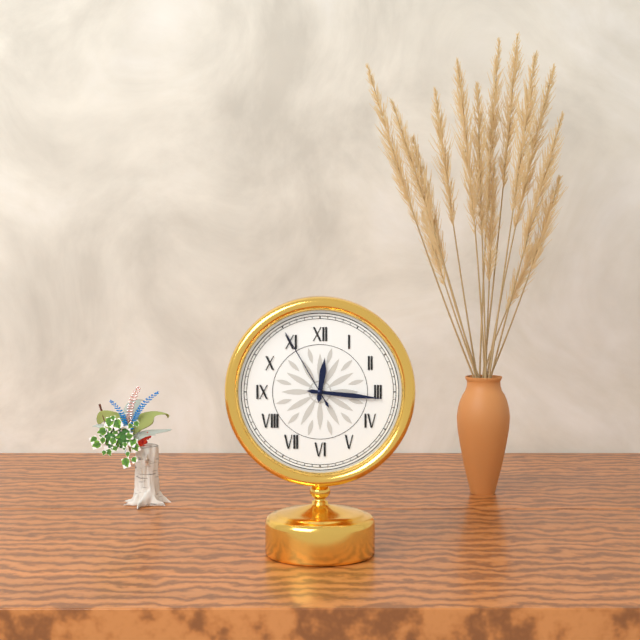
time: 12:16:55
